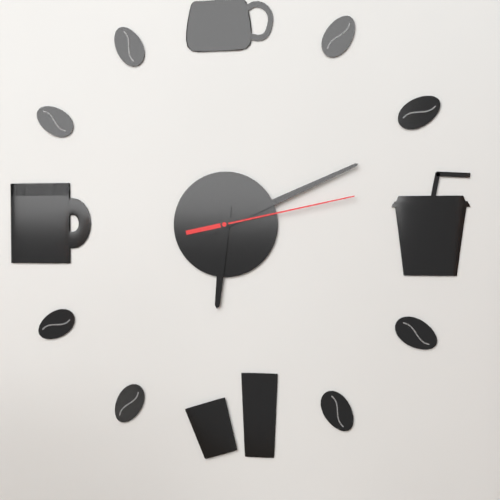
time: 6:11:13
